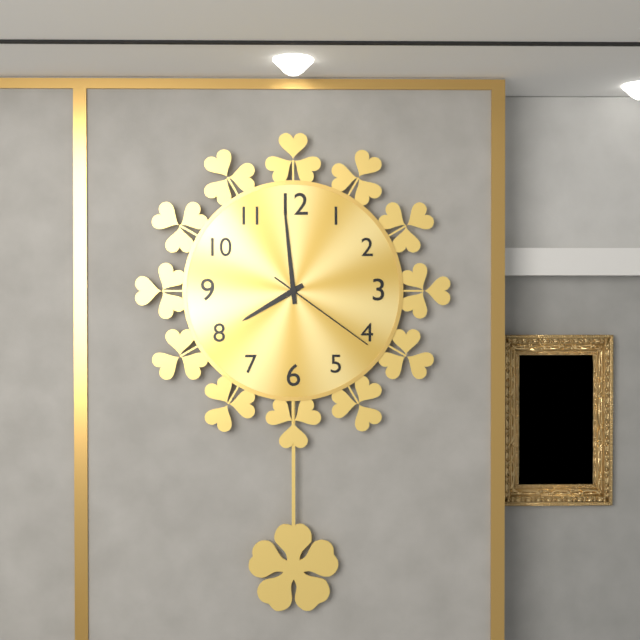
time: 7:59:21
